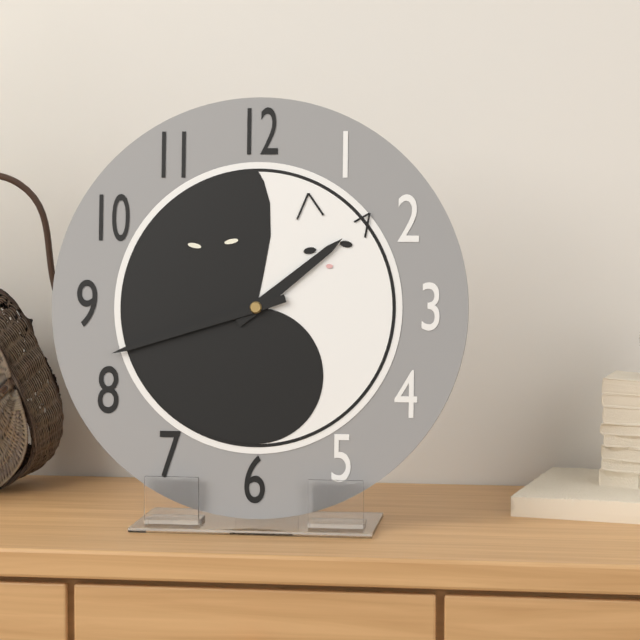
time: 1:42
